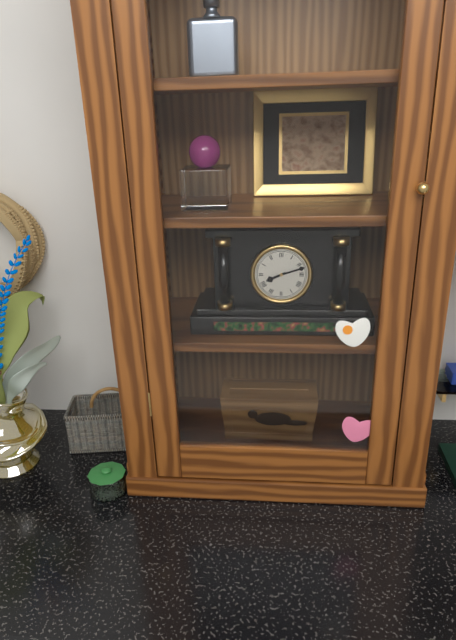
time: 8:12
